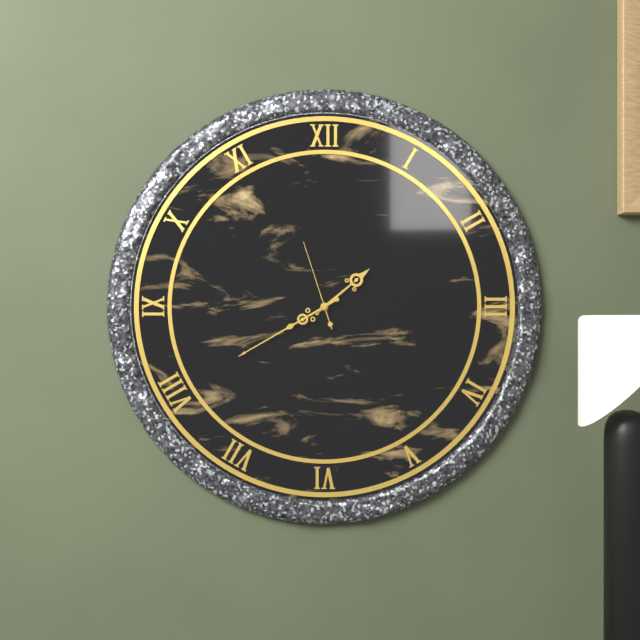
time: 1:40:57
